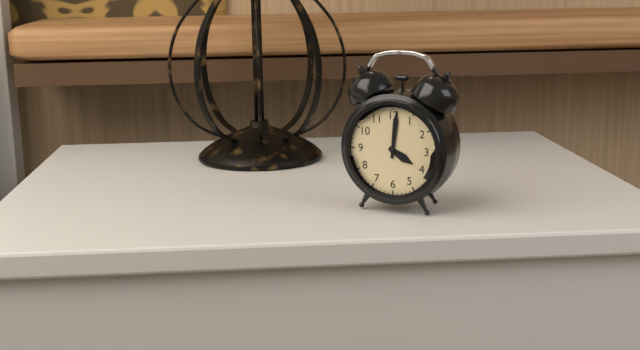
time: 4:01
